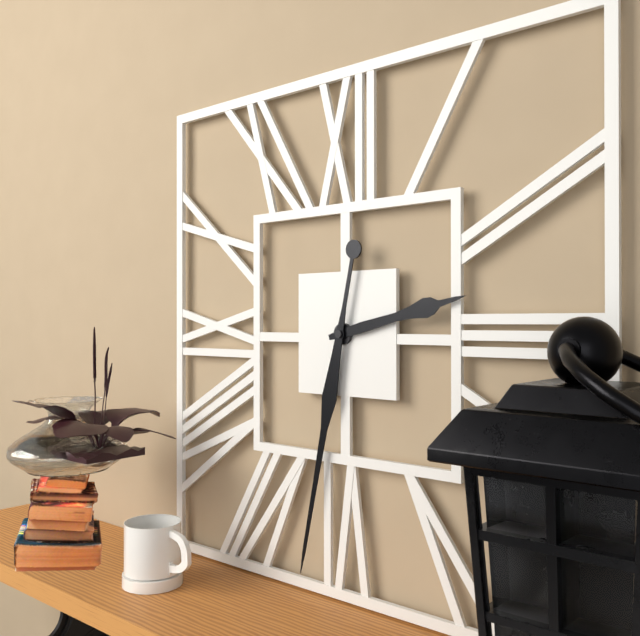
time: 2:32
